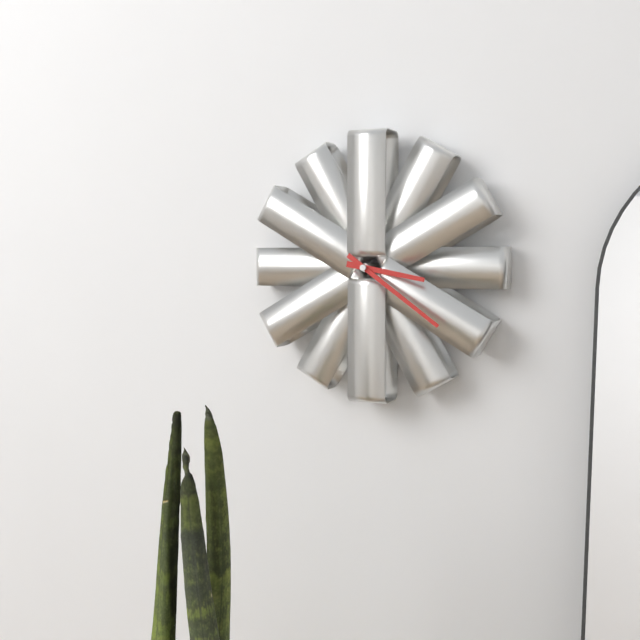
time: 3:21
